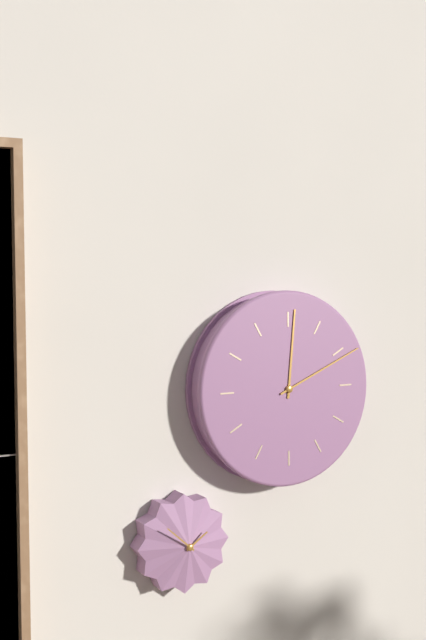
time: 12:11
